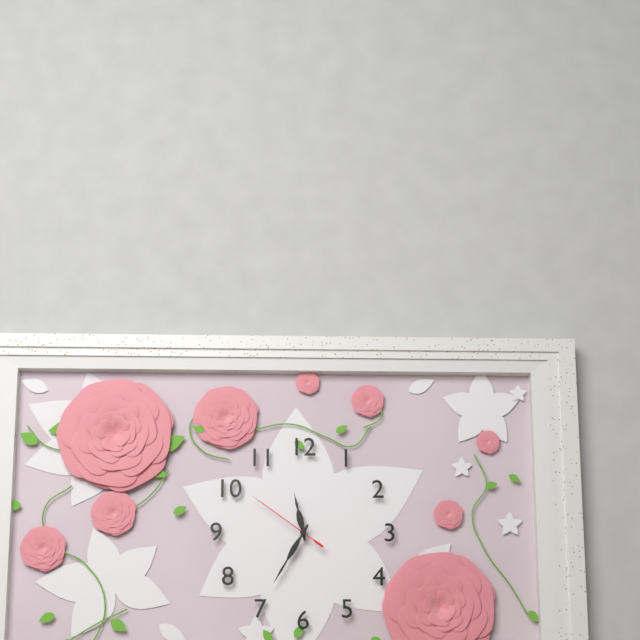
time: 11:35:51
